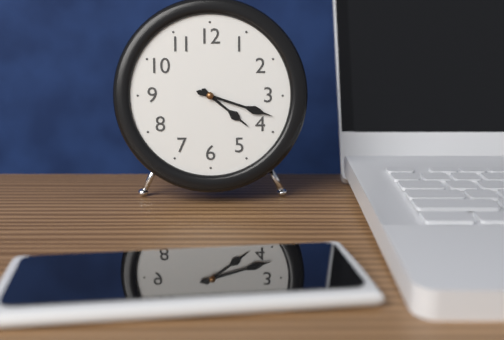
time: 4:18
